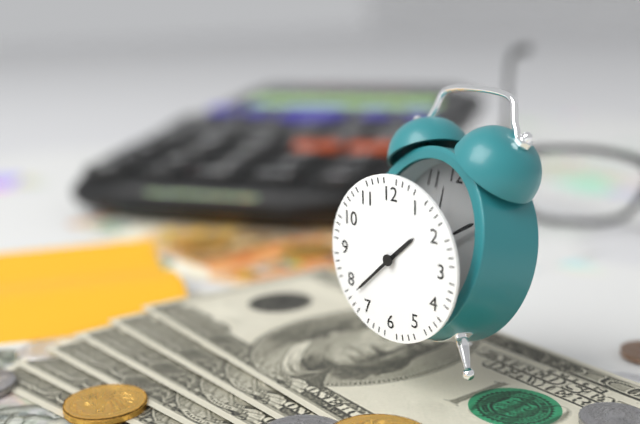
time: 1:38
